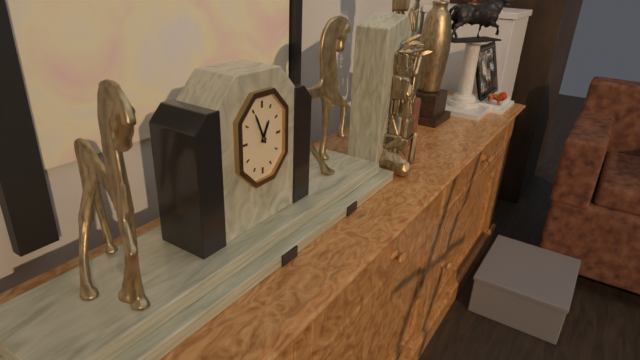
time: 12:56
